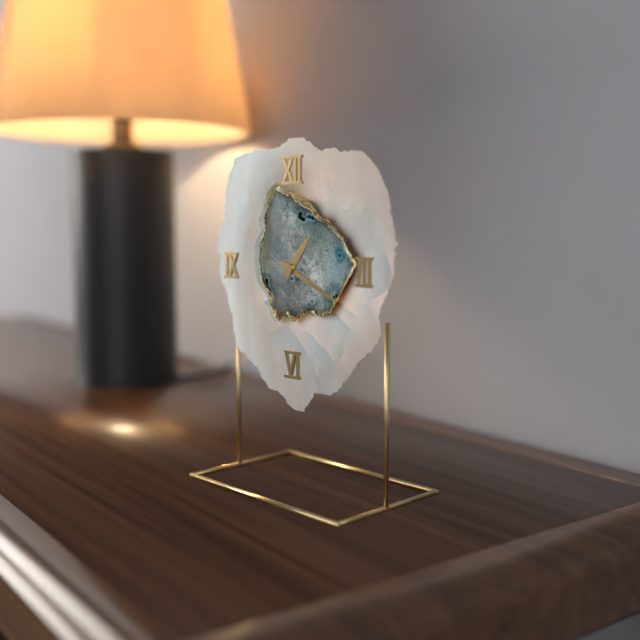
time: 1:19
